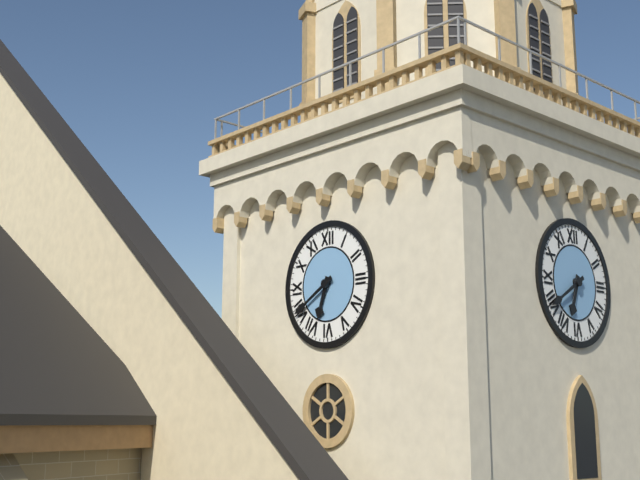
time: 6:40
